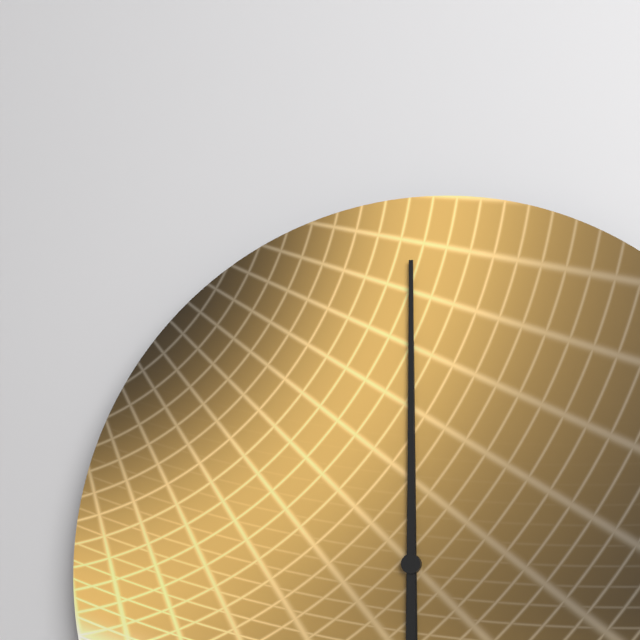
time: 12:00
